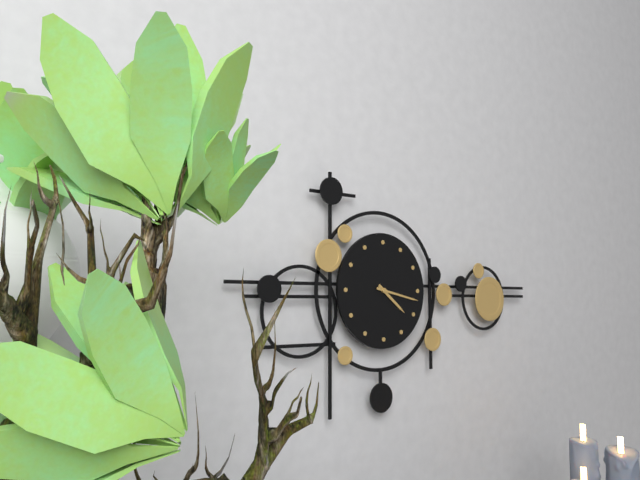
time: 4:17
